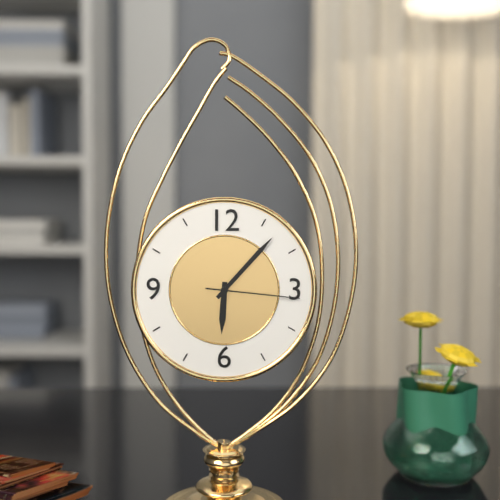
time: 6:07:16
